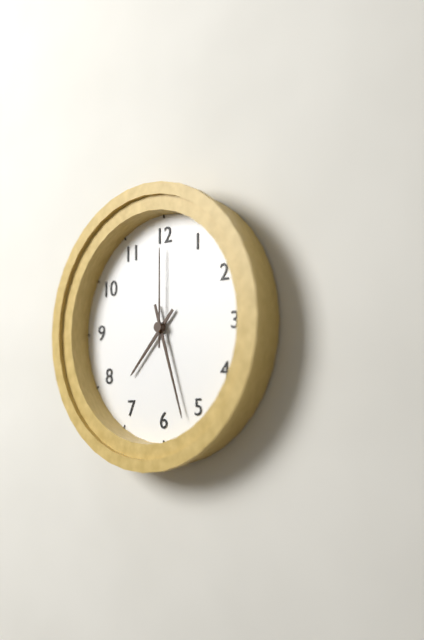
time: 7:27:00
